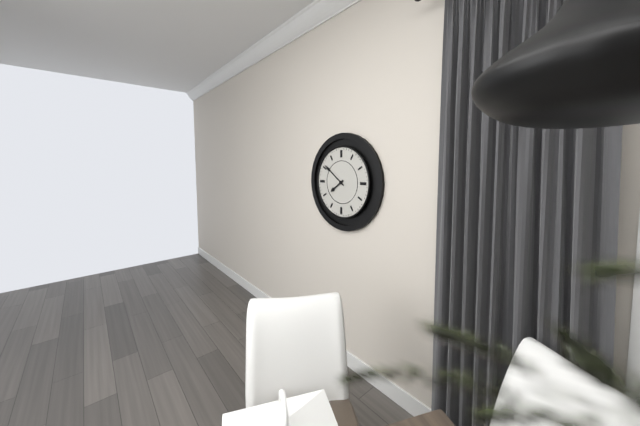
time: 7:51
